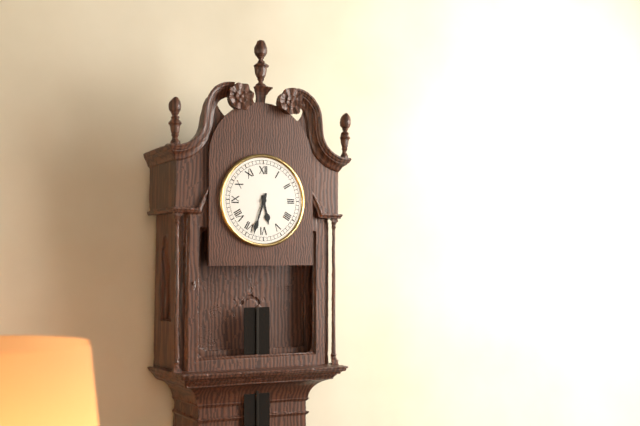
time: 5:33
